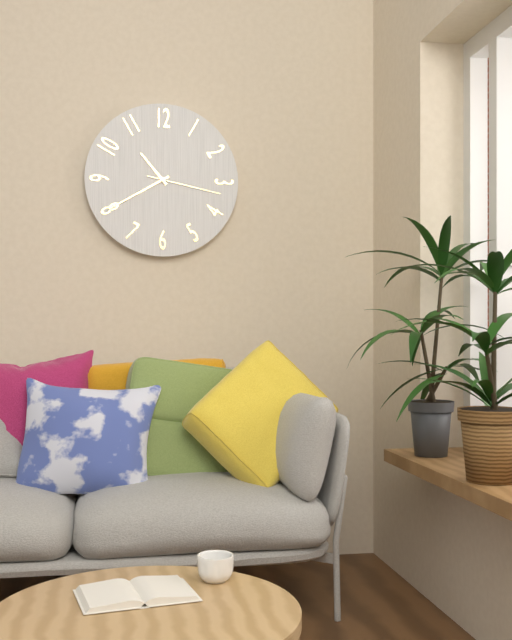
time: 10:40:17
